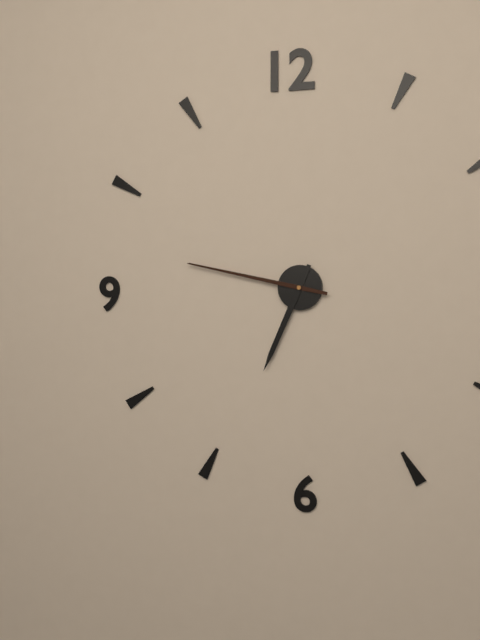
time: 6:47
